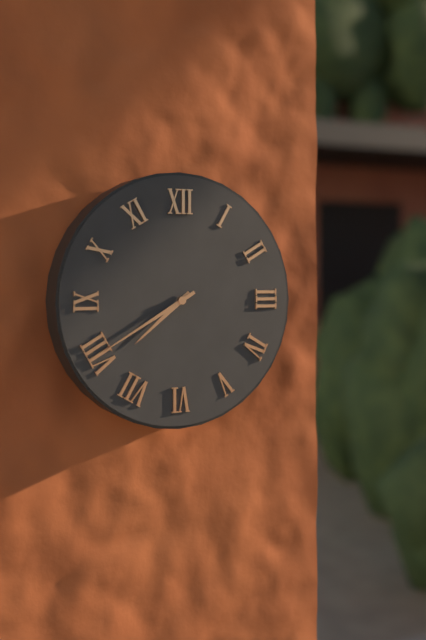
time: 7:40
